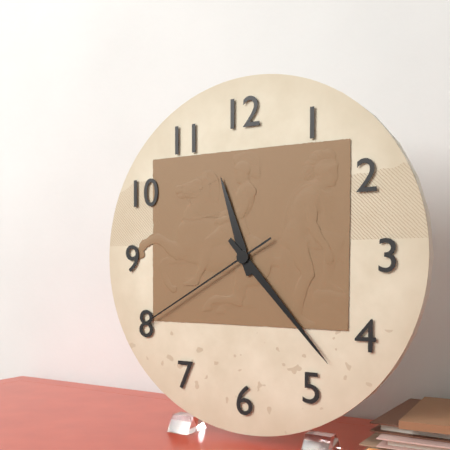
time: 11:23:40
